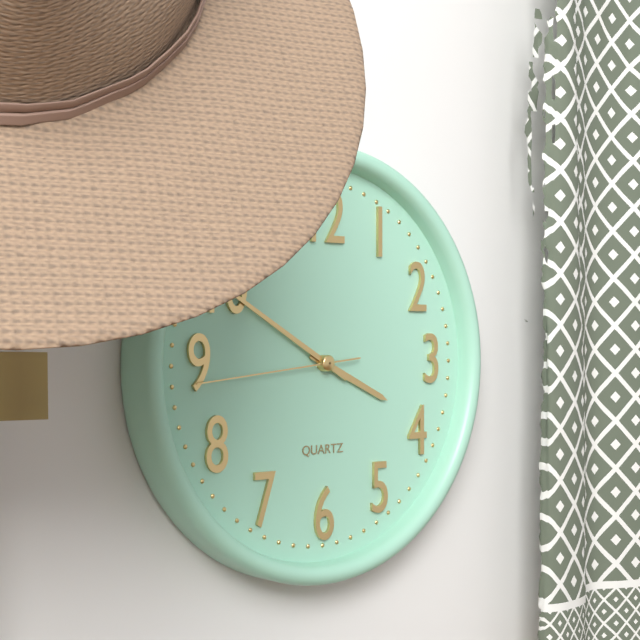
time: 3:50:44
